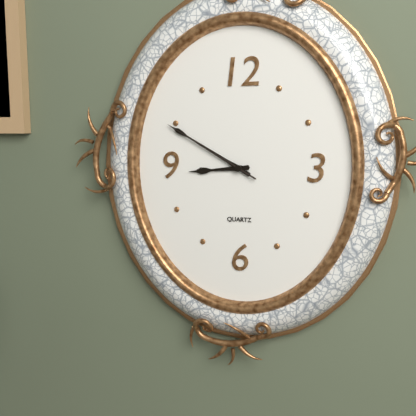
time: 8:50:50
